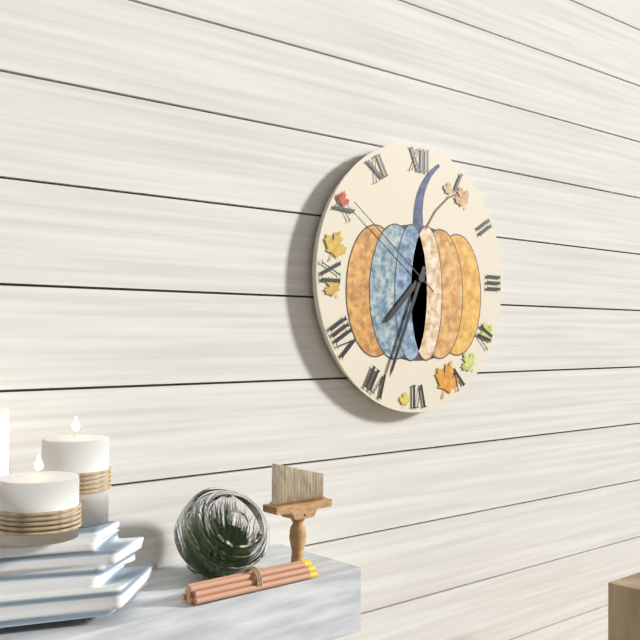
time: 7:34:51
